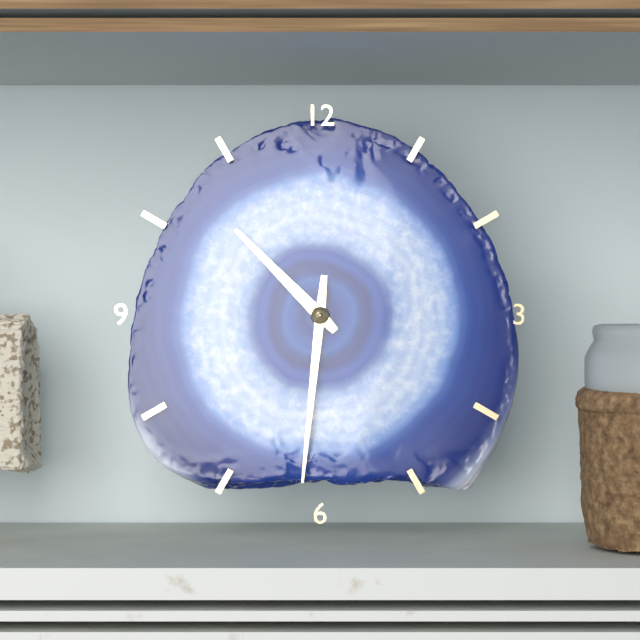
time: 10:31
